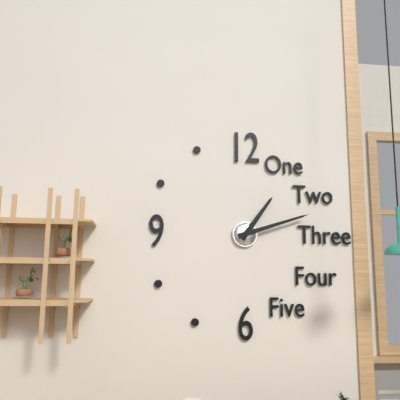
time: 1:12
